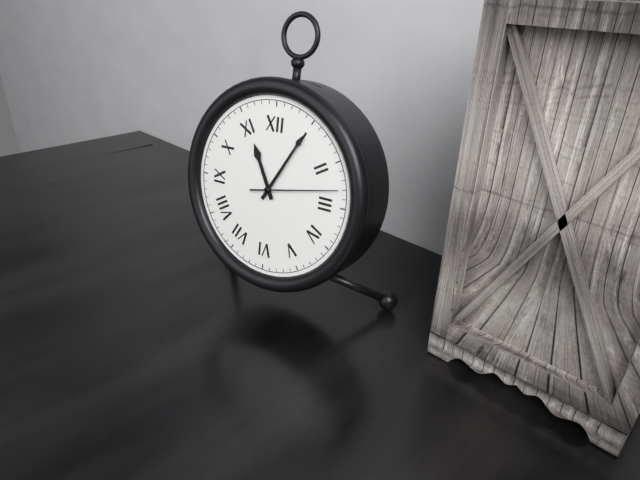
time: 11:05:13
